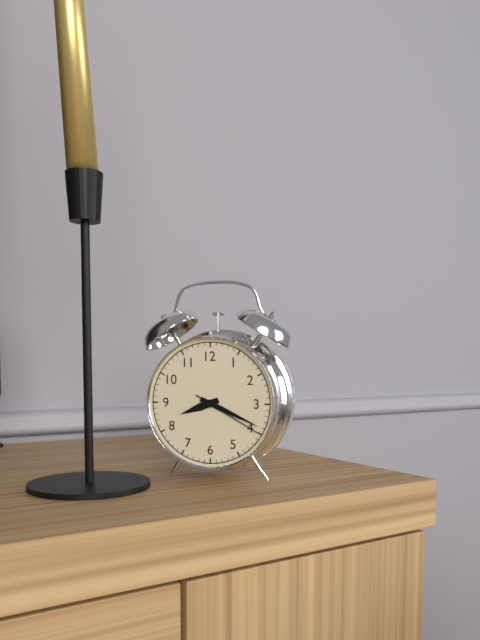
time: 8:19:20
